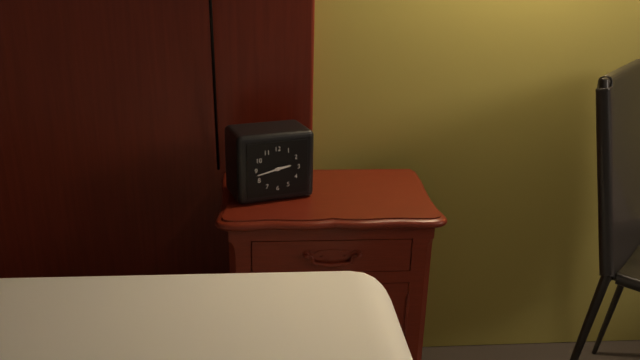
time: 2:43
